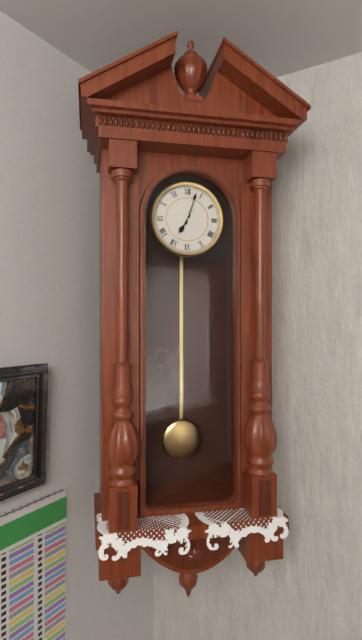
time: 7:03
